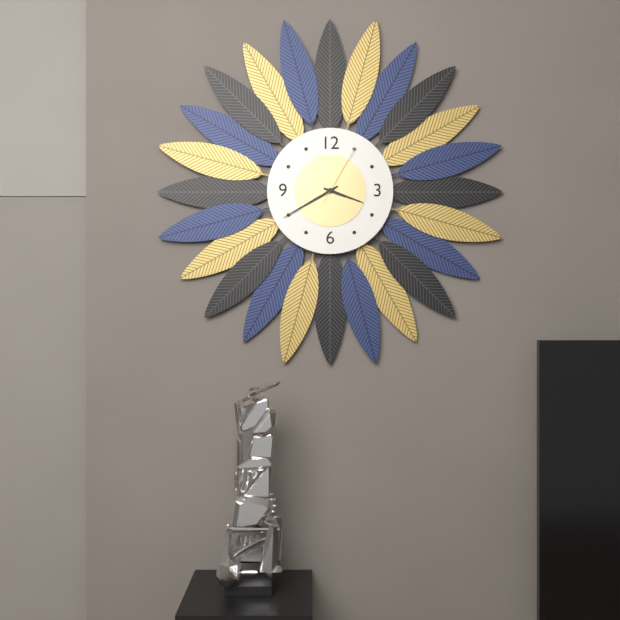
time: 3:40:05
